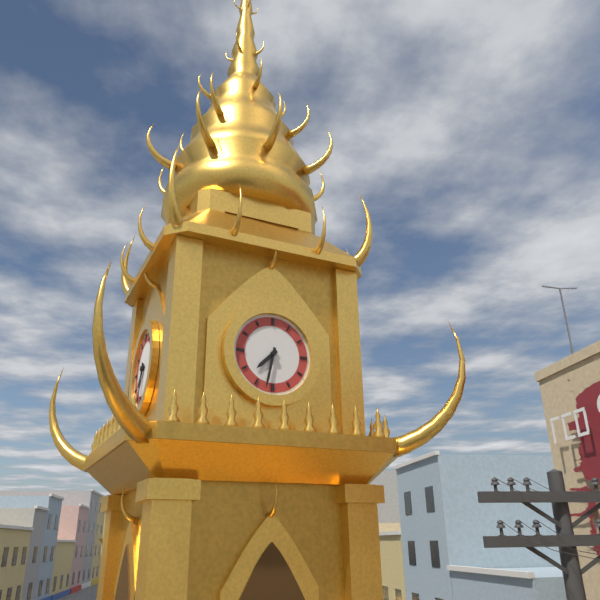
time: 7:32
